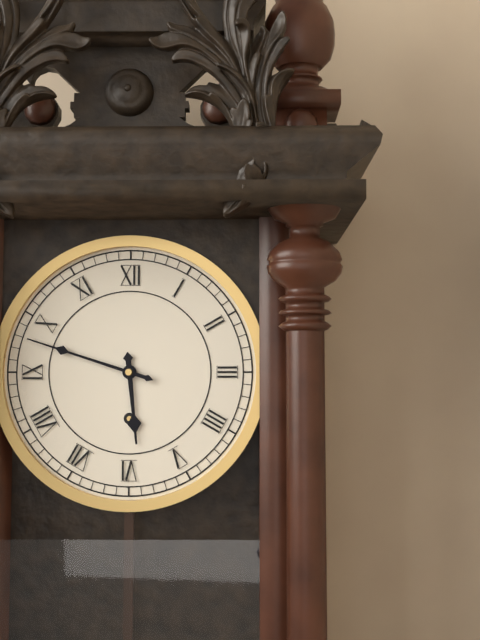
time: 5:48
